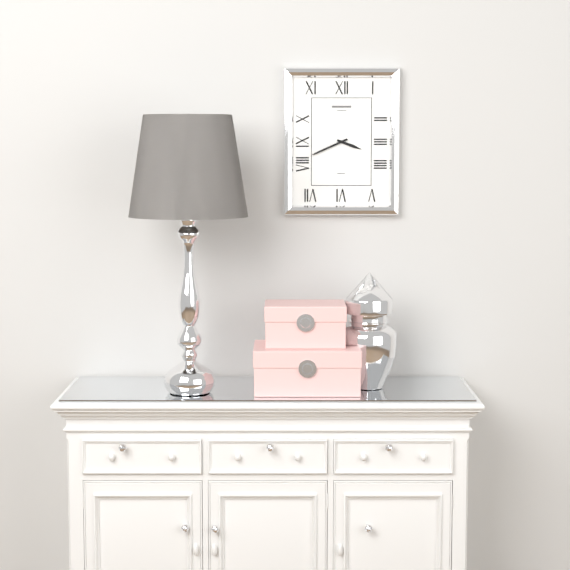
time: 3:41
